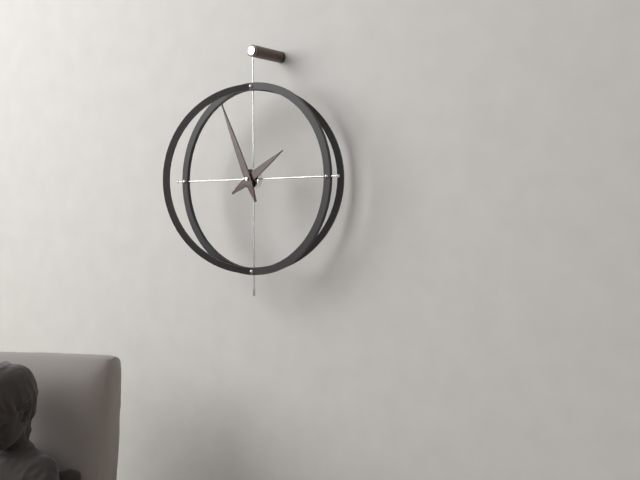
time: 1:56
